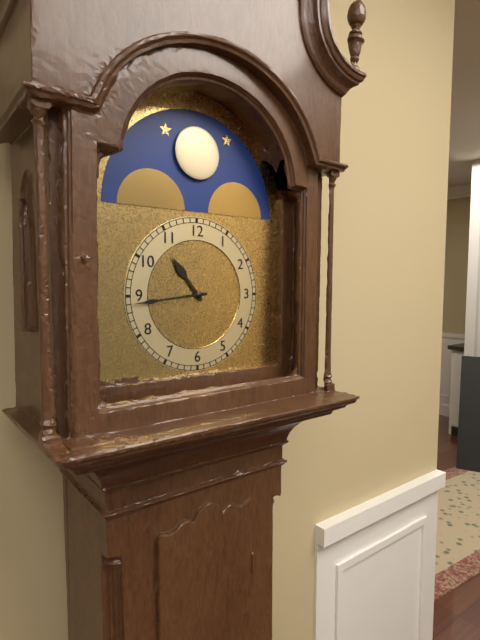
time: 10:44
